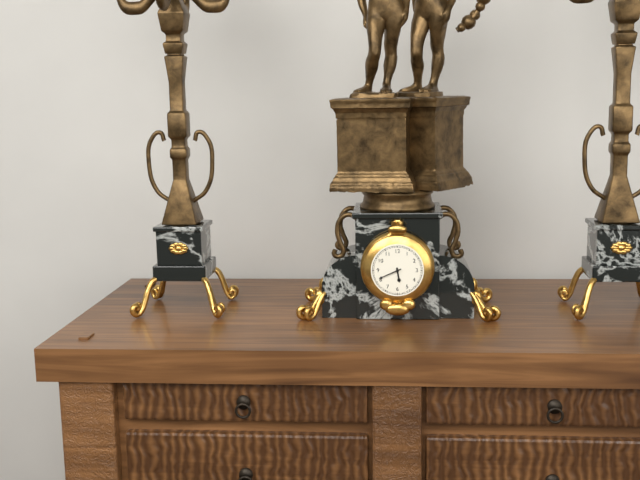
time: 5:41
